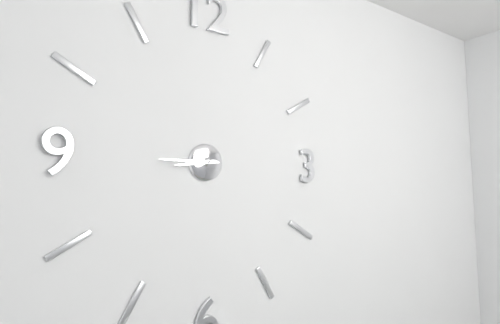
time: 8:45
